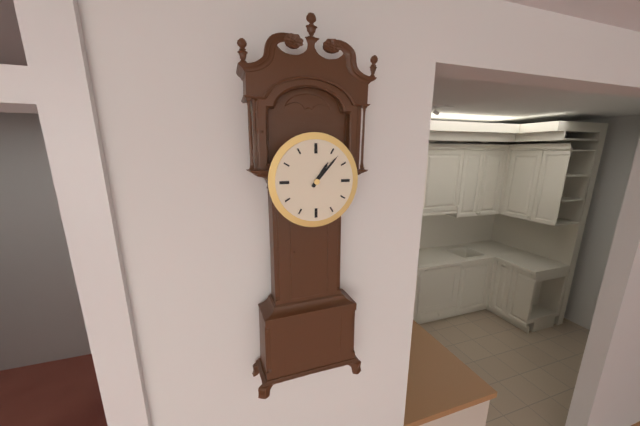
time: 1:07
